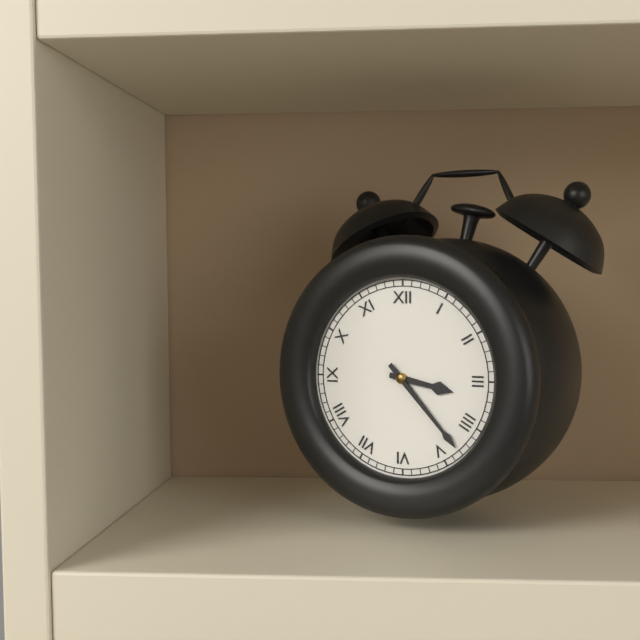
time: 3:23
